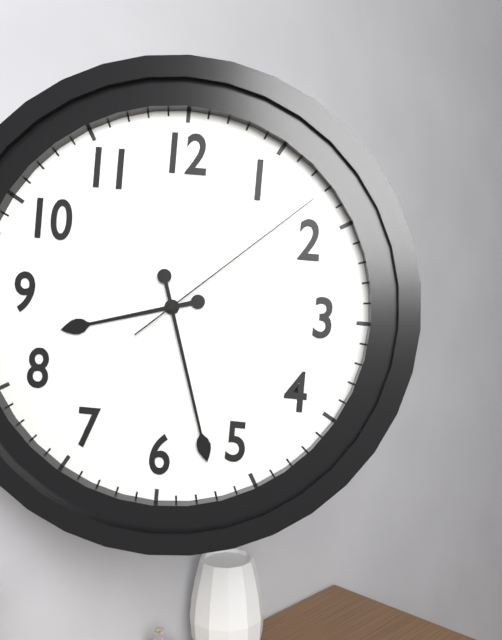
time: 8:27:08
